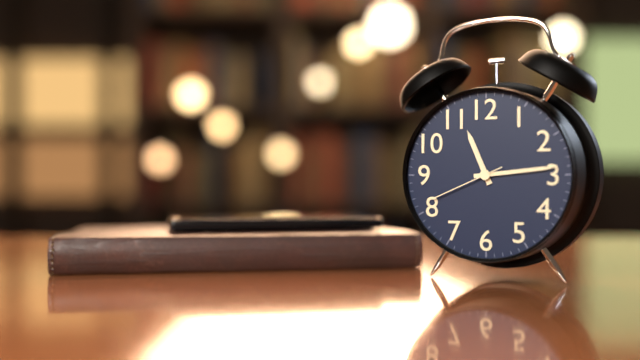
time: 11:14:41
